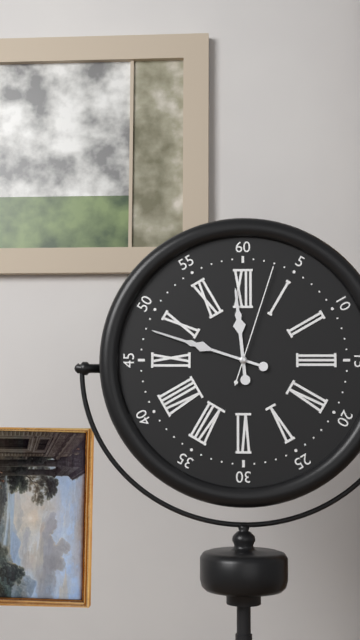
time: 11:48:03
